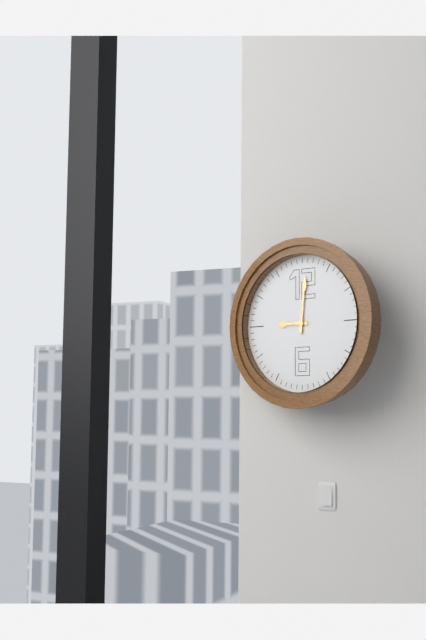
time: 9:01
